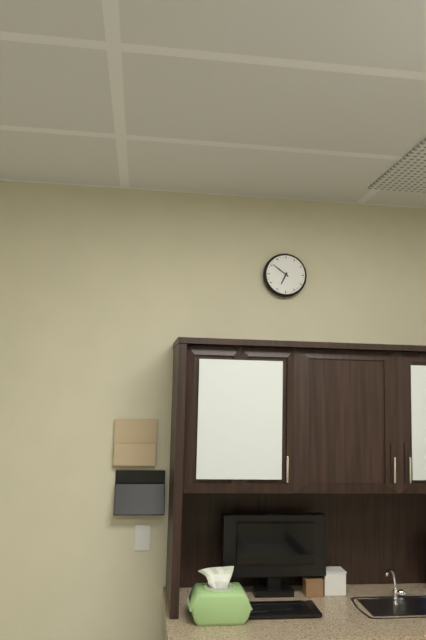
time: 6:51
